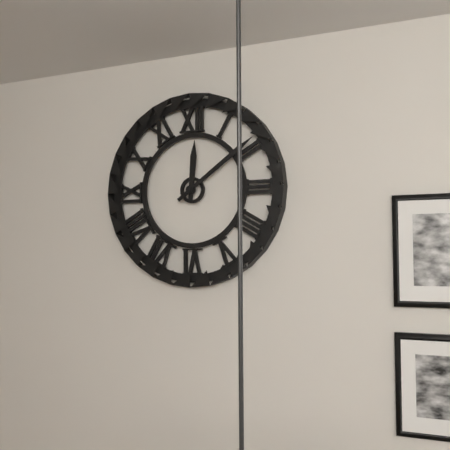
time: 12:09
